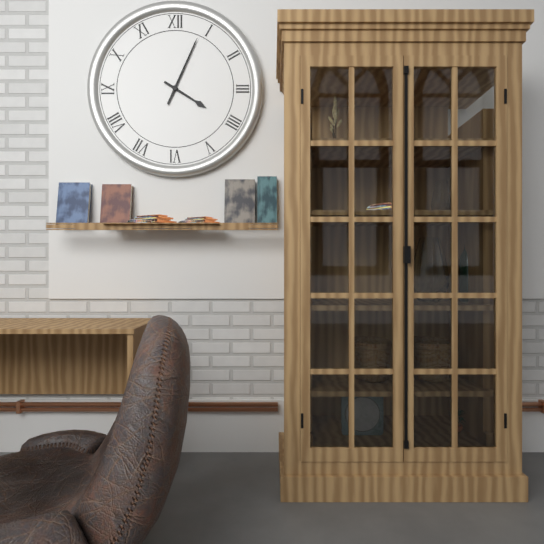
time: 4:04
